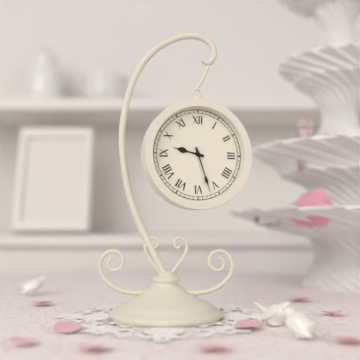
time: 9:27
